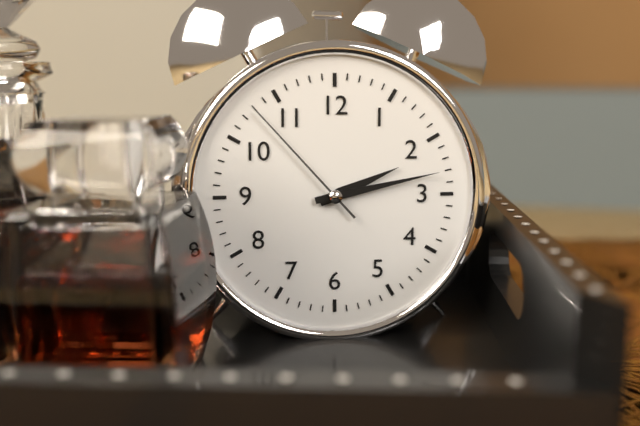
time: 2:13:53
